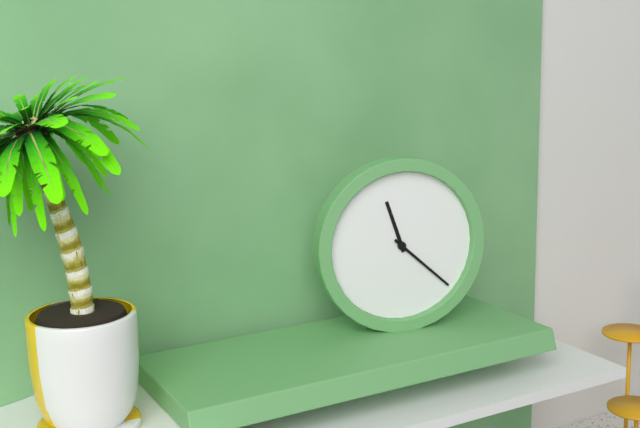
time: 11:22
